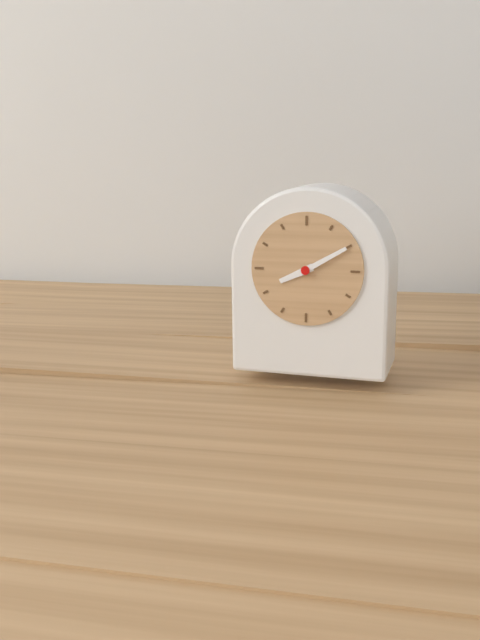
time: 8:10
